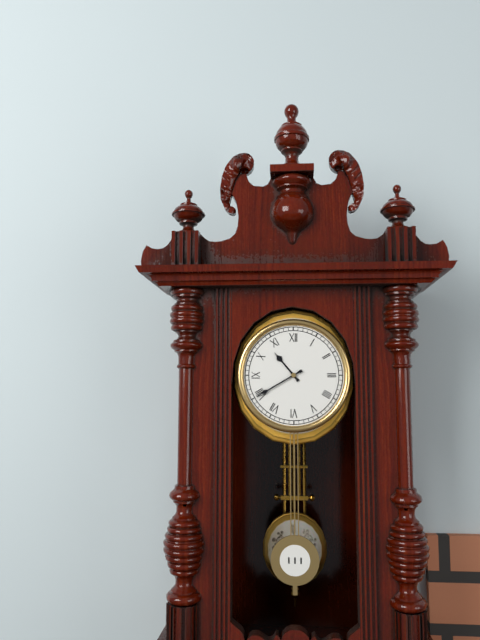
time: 10:40
